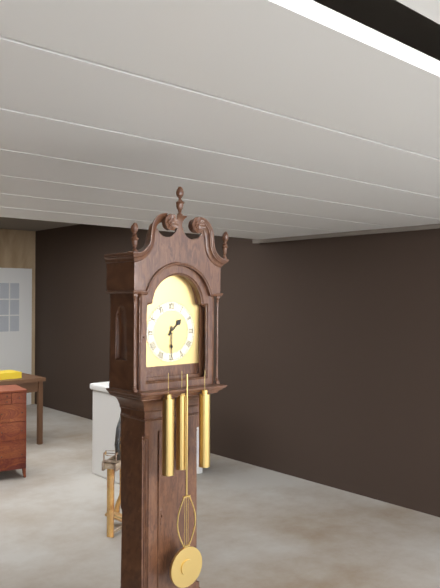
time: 1:30
